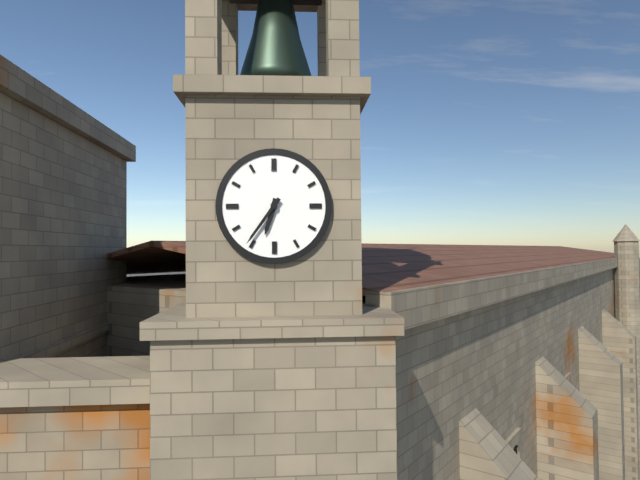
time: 6:36
